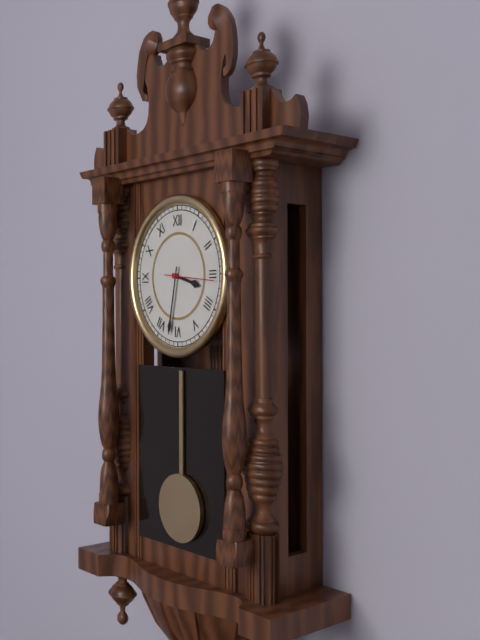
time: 3:32:16
